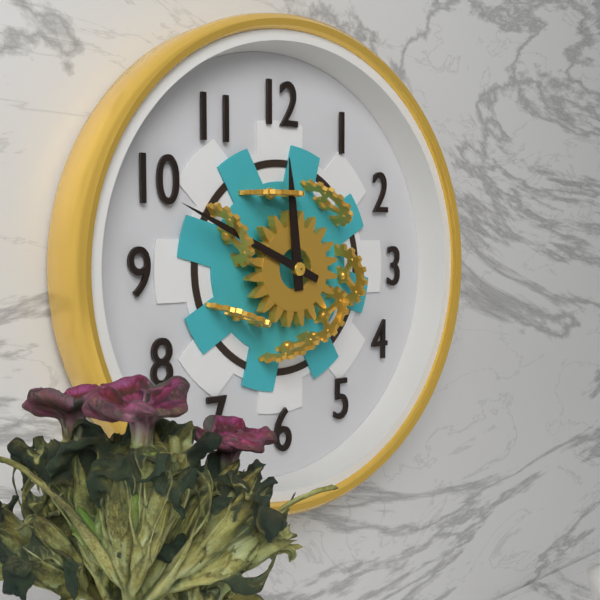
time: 11:49
